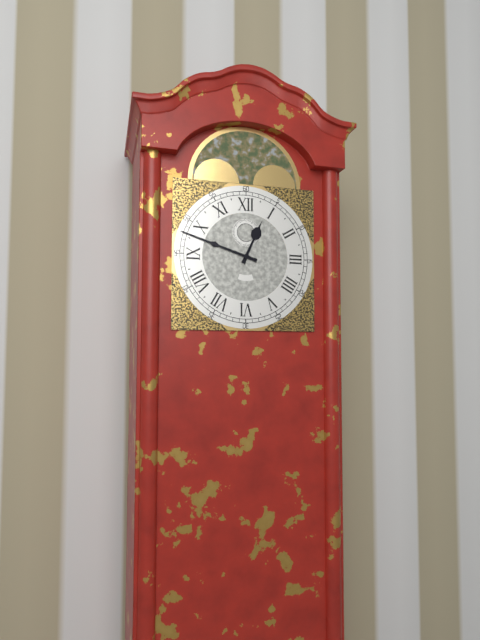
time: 12:48
